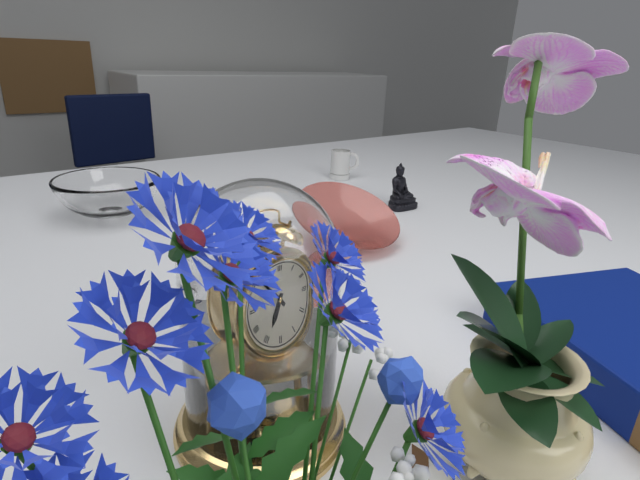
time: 6:53
